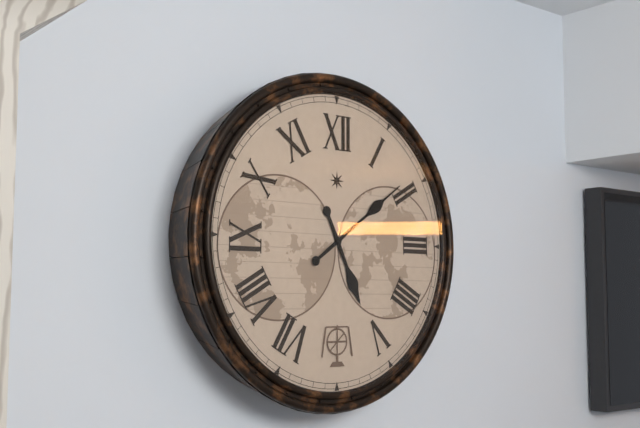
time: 5:09
